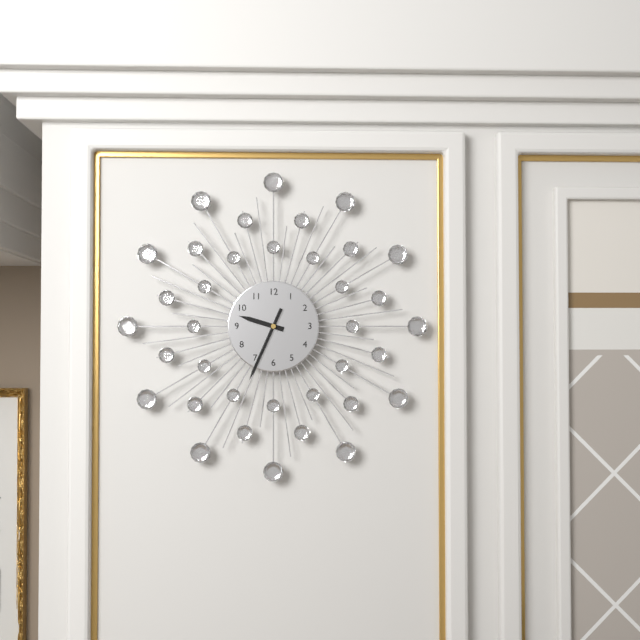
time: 9:34
